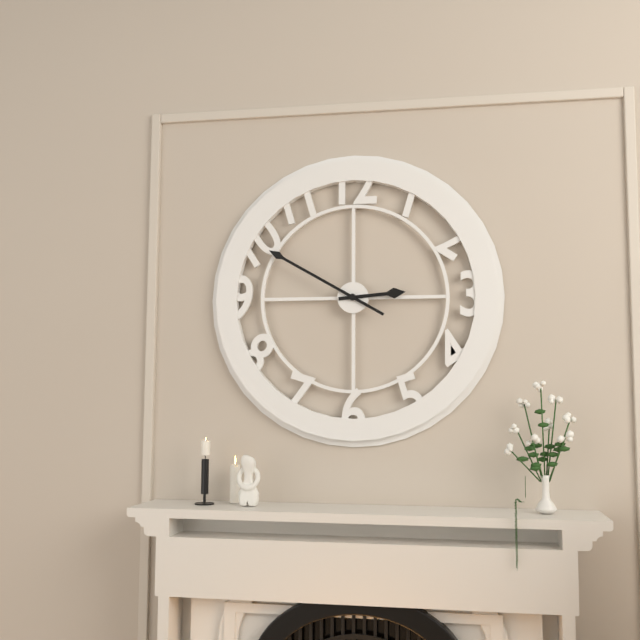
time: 2:50
